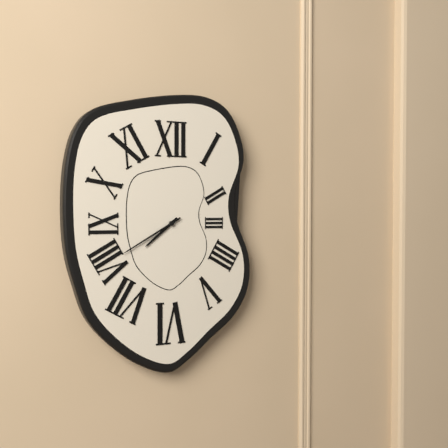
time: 7:40
